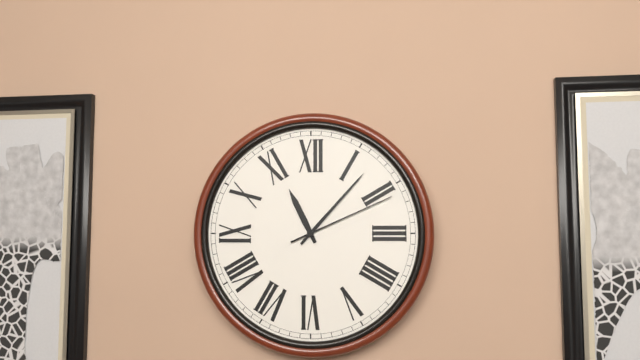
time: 11:07:11
